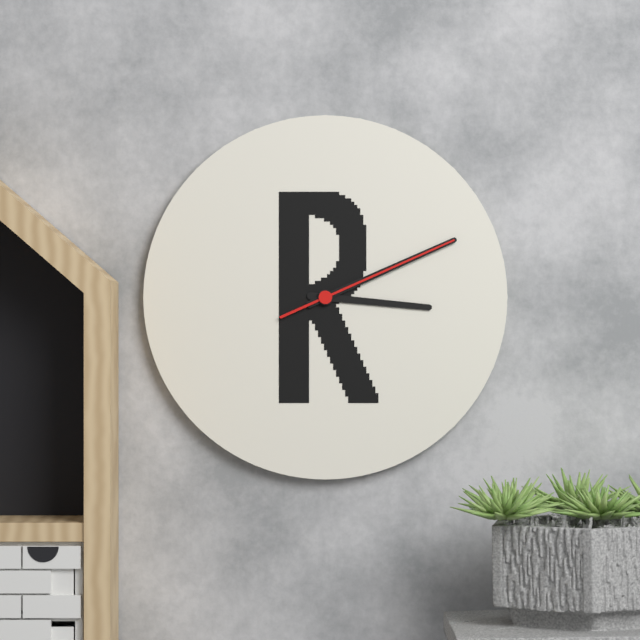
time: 3:11:11
